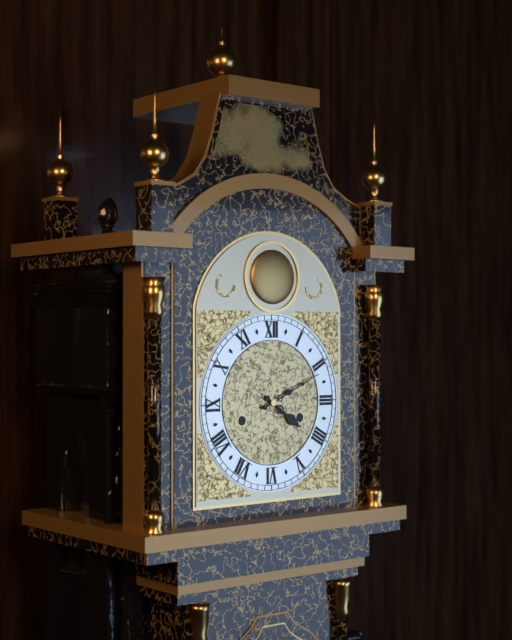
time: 4:11
